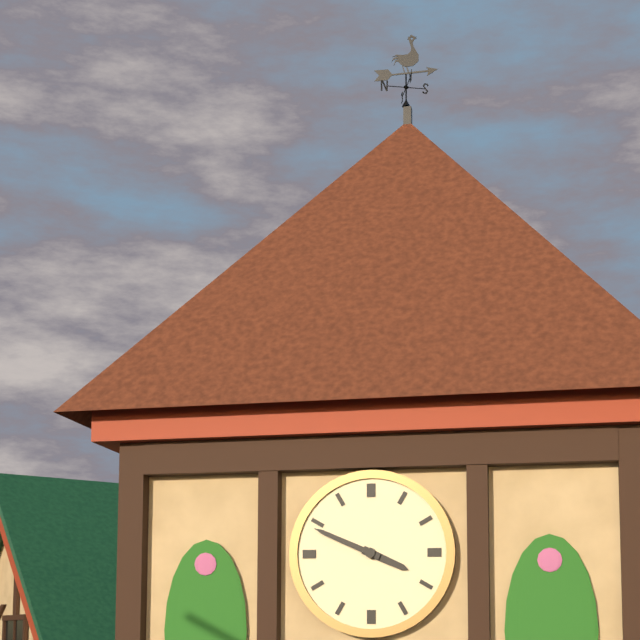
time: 3:49
